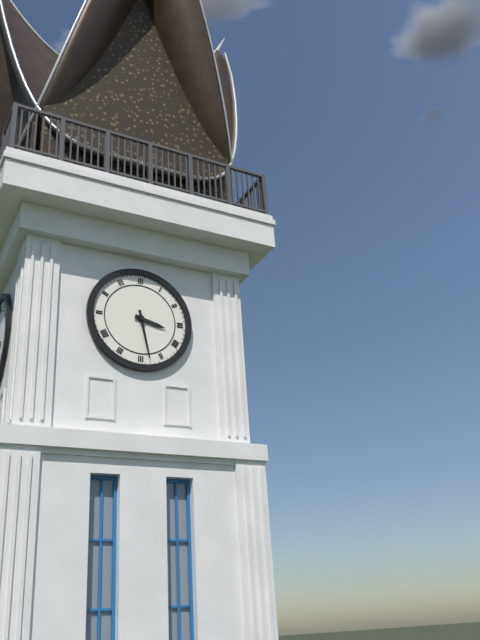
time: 3:28
